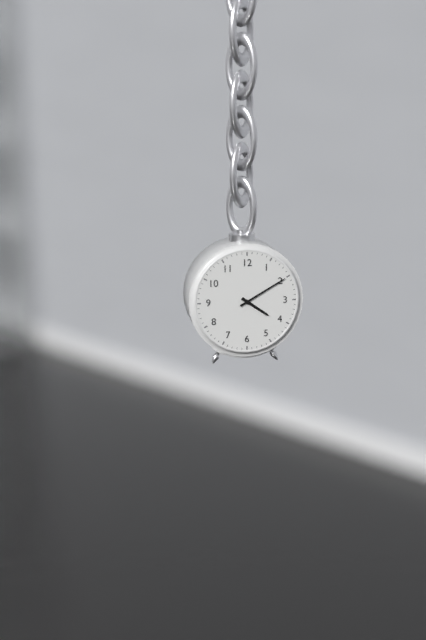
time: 4:10
